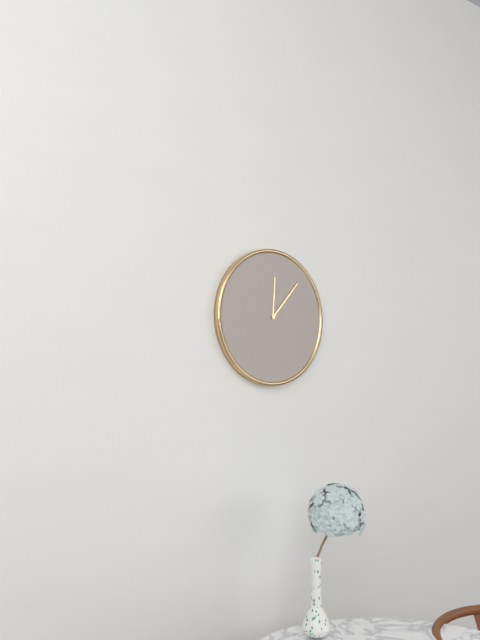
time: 12:07
